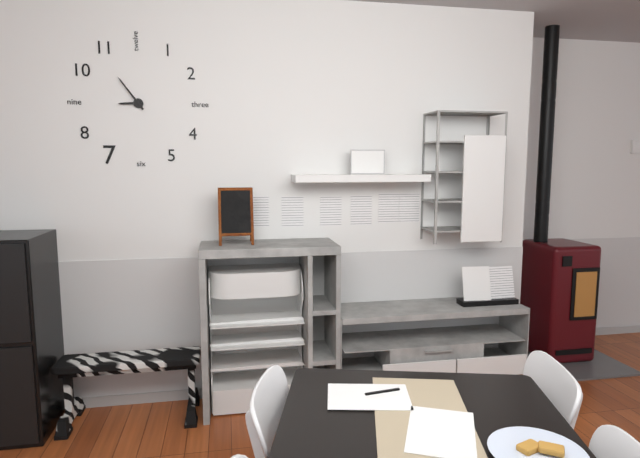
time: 8:54
